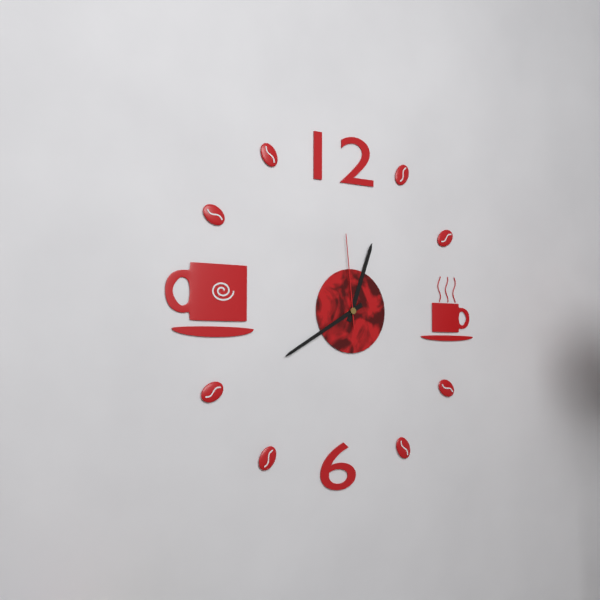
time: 12:40:59
